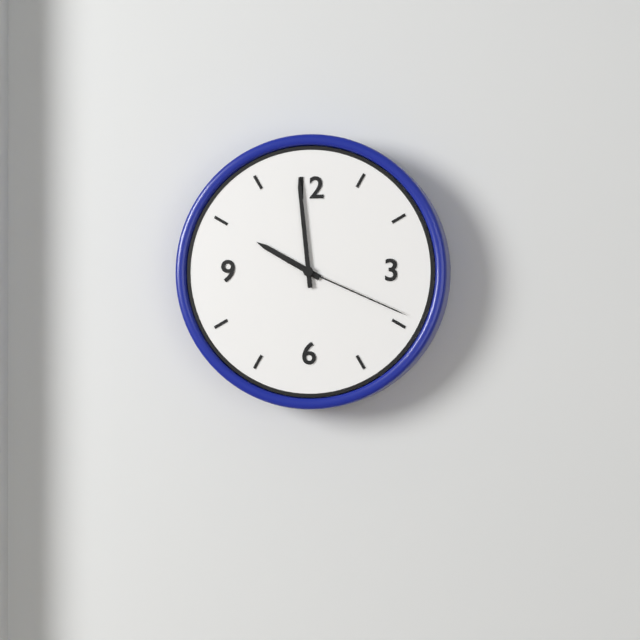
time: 9:59:19
